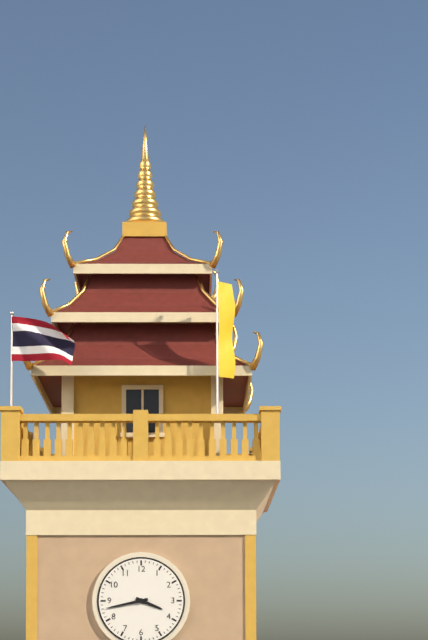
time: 3:43
